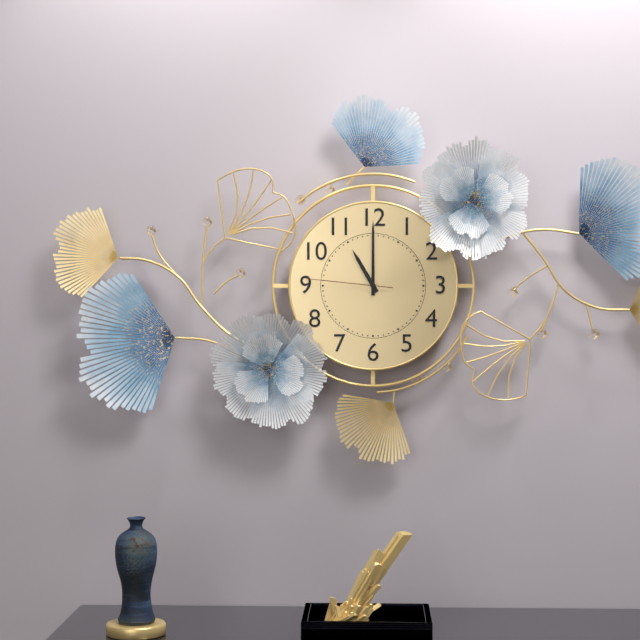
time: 11:00:46
